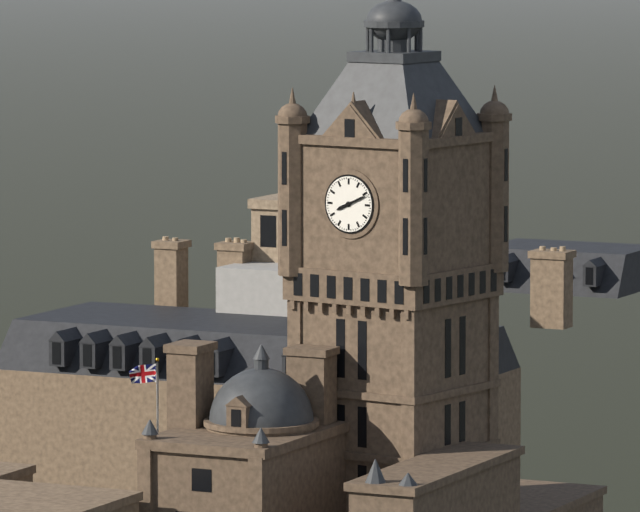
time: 8:11
